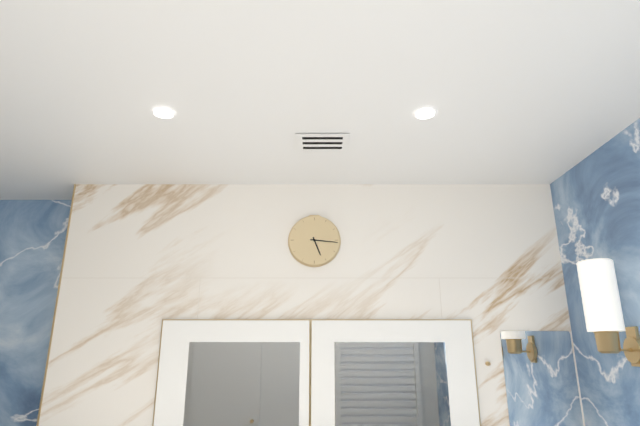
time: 5:16
